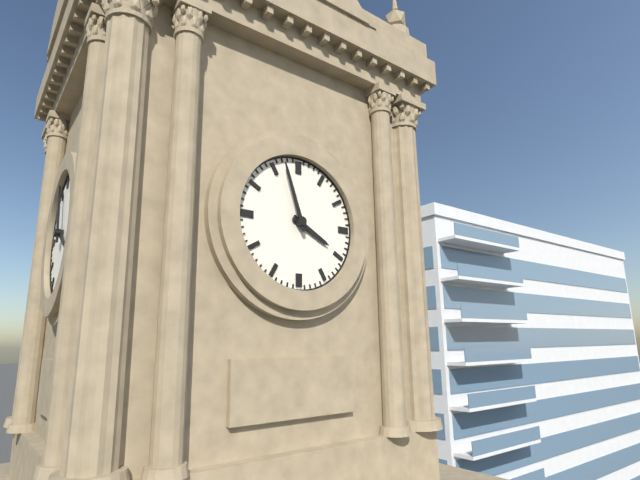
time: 3:57
